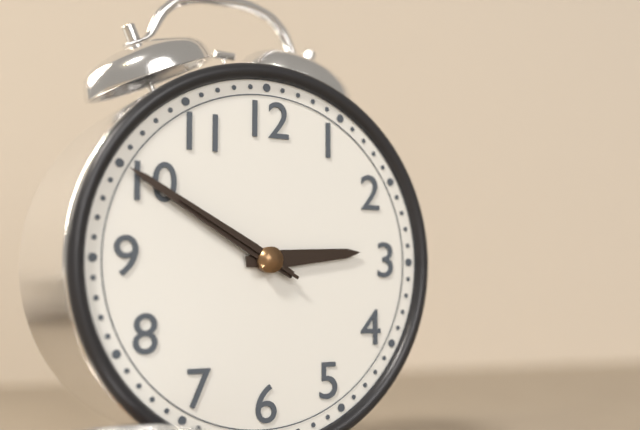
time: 2:50:50
